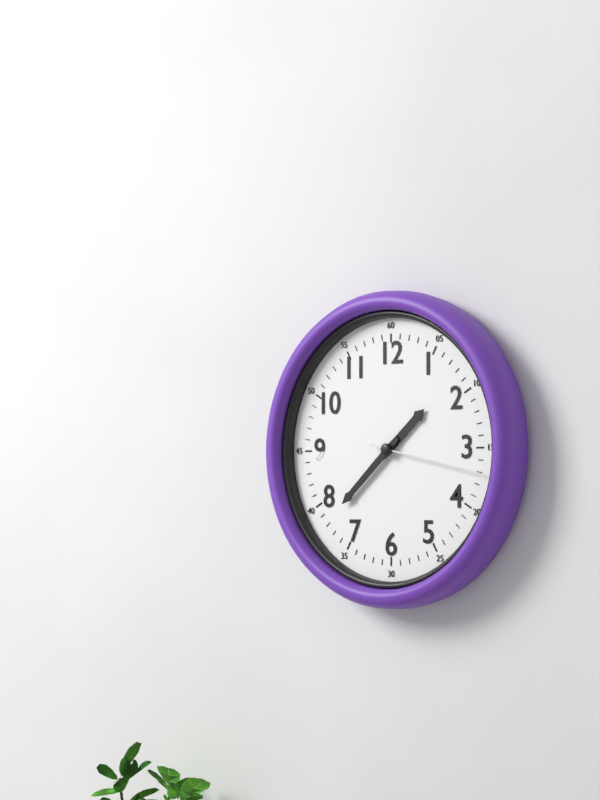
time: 1:38:17
